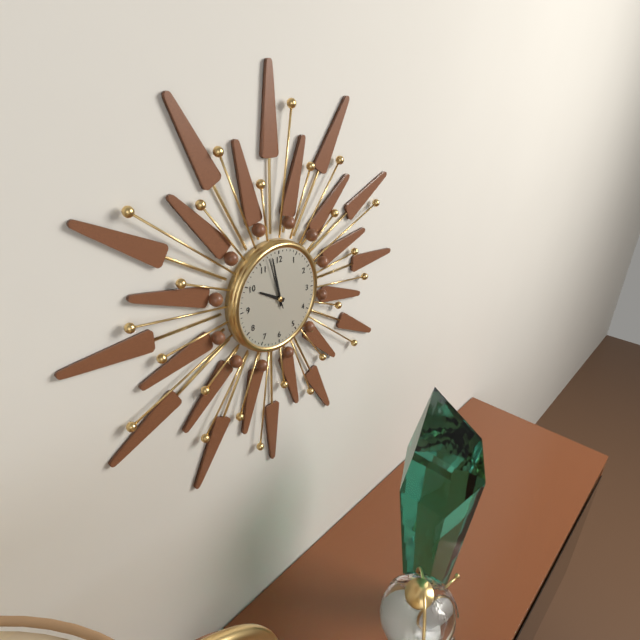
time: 9:58:57
